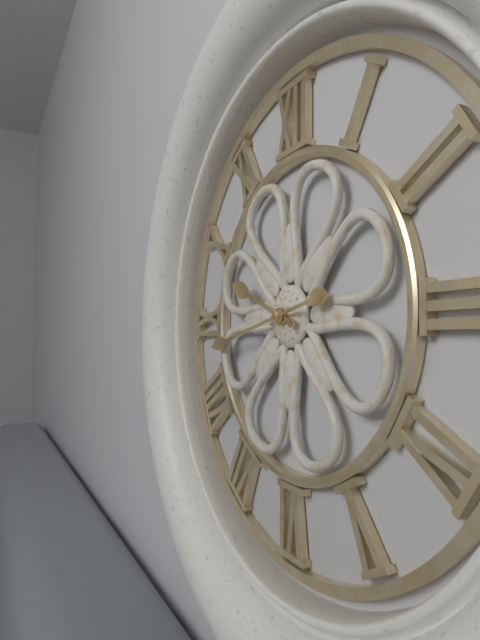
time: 9:43
